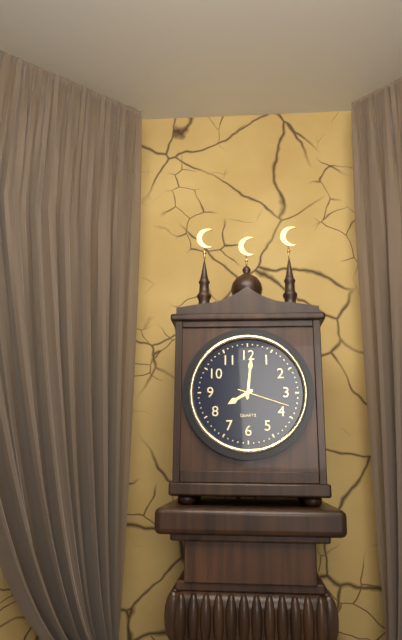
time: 8:01:18
